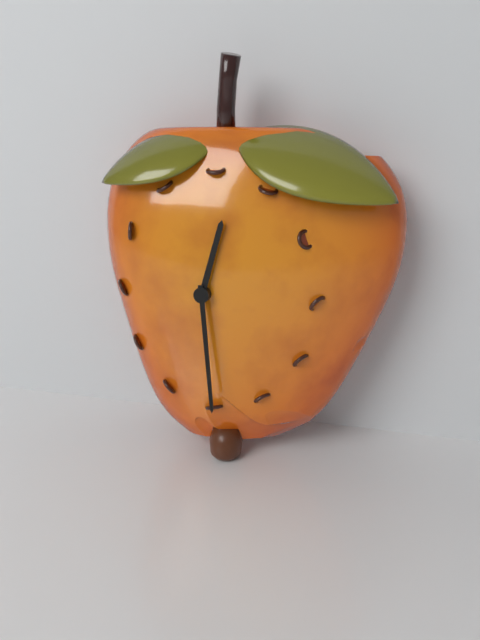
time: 12:29
